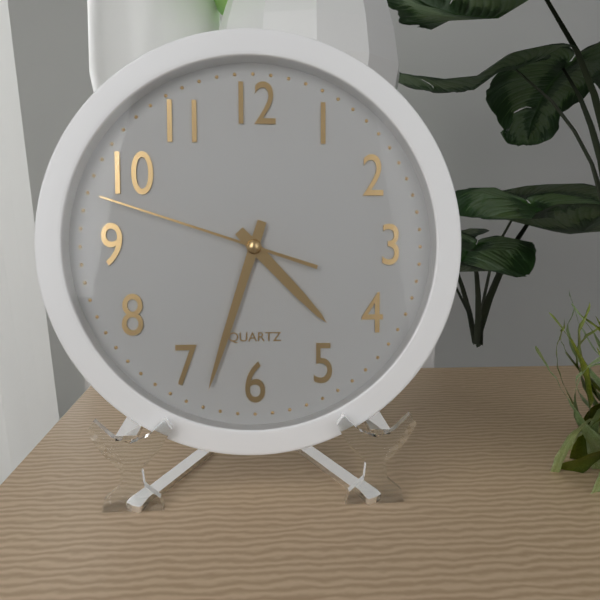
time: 4:33:48
